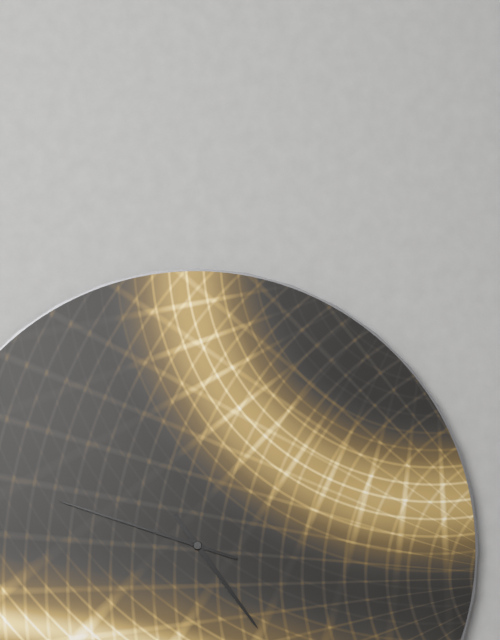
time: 4:48
